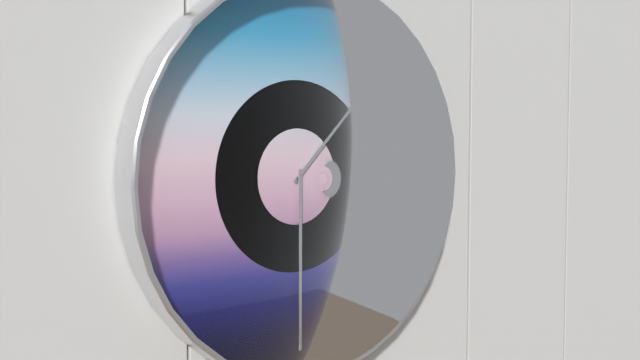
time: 1:30
